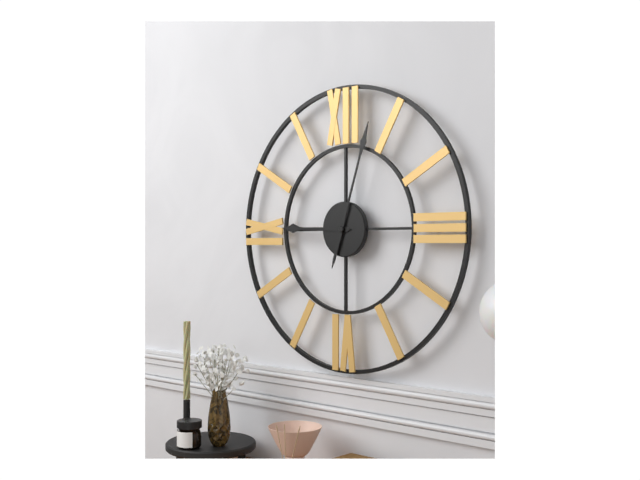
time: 9:03
